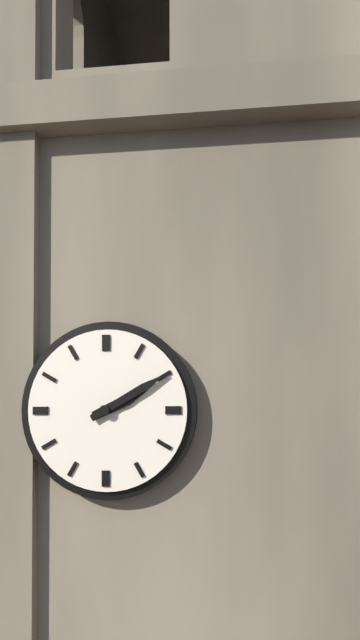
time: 2:10
